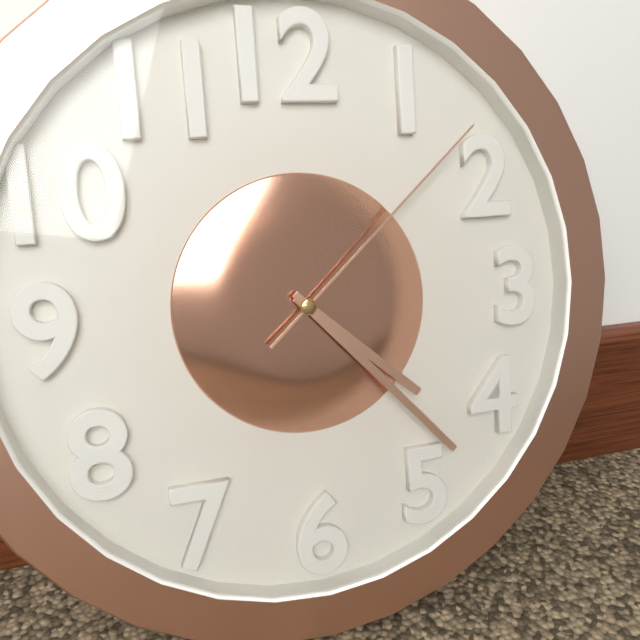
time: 4:23:08
